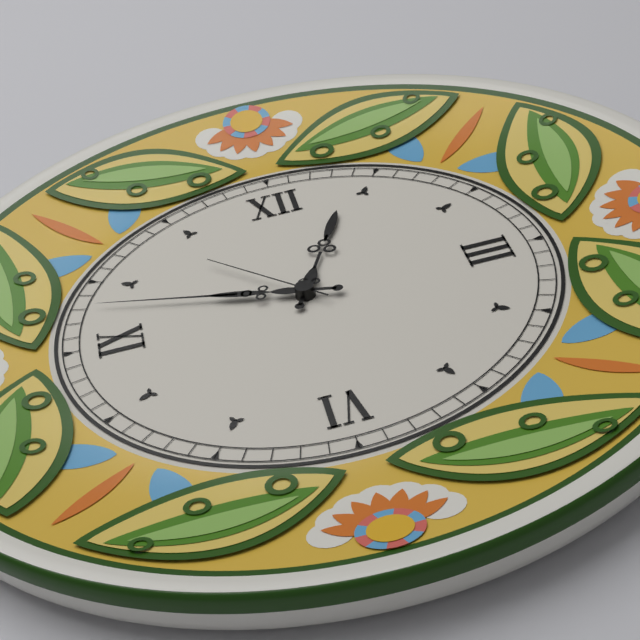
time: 12:48:53
